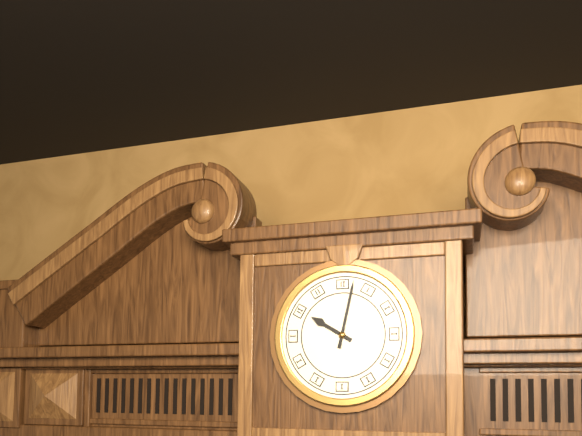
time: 10:02
